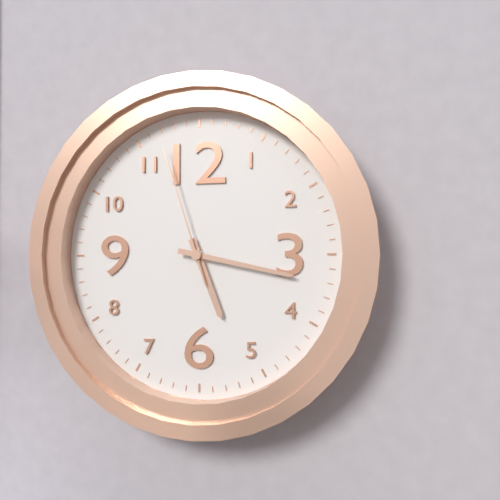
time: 5:17:57
